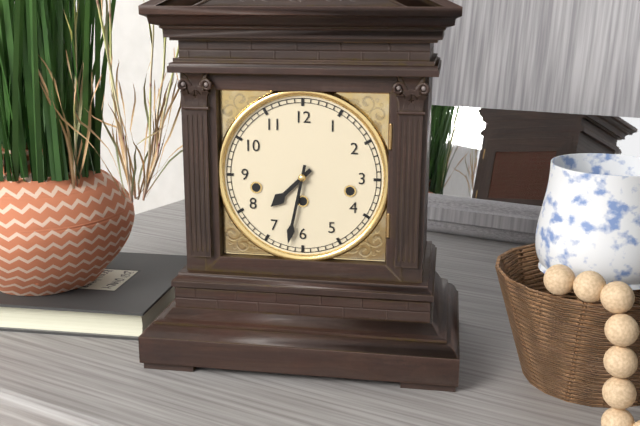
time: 7:32
